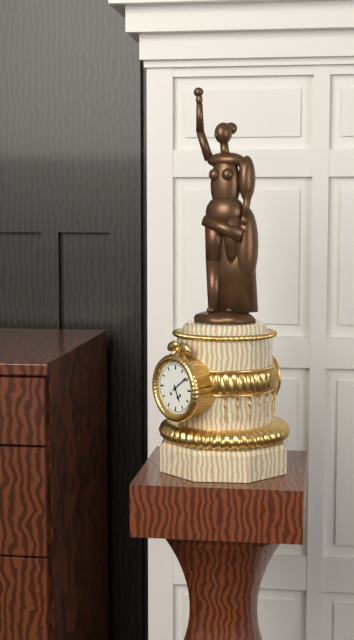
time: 5:09
